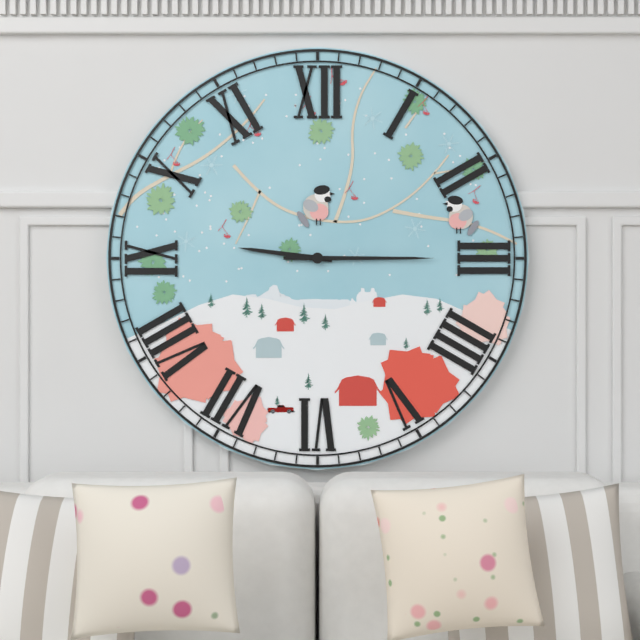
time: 9:15
